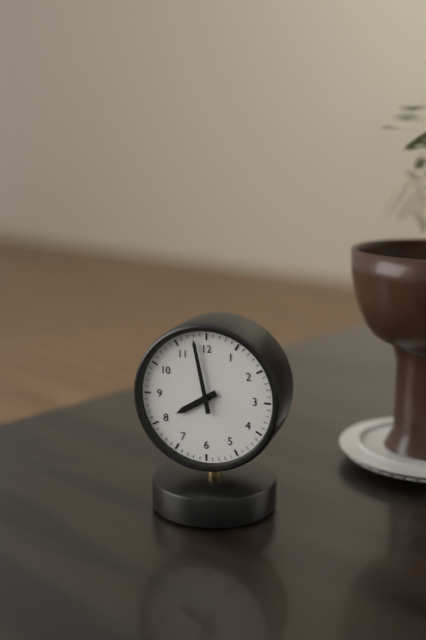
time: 7:58
